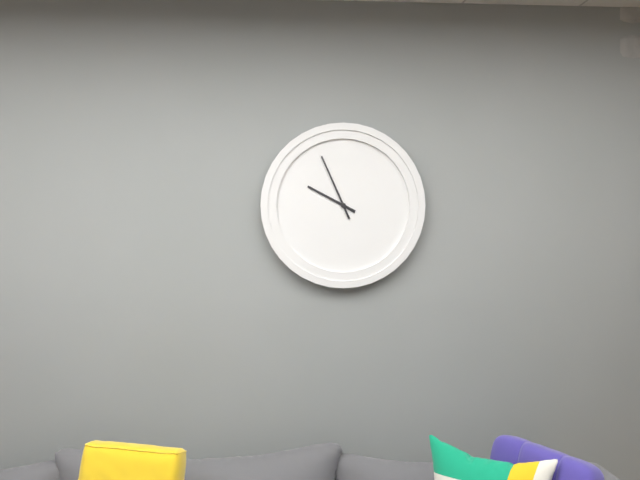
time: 9:56
